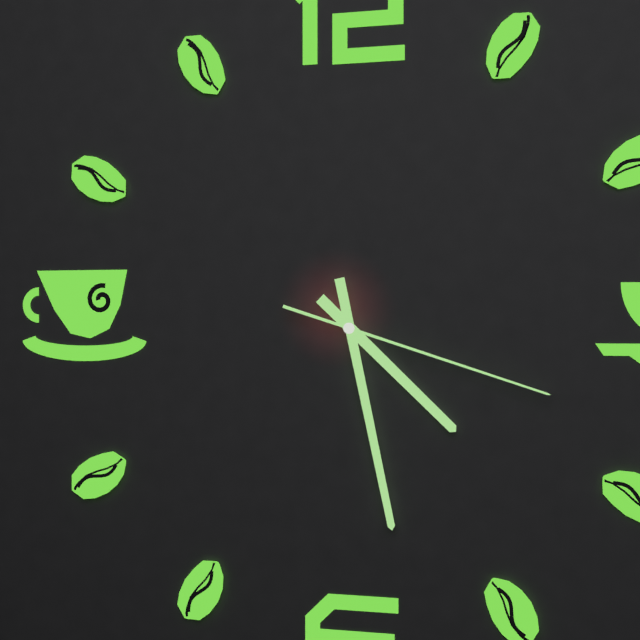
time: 4:28:18
